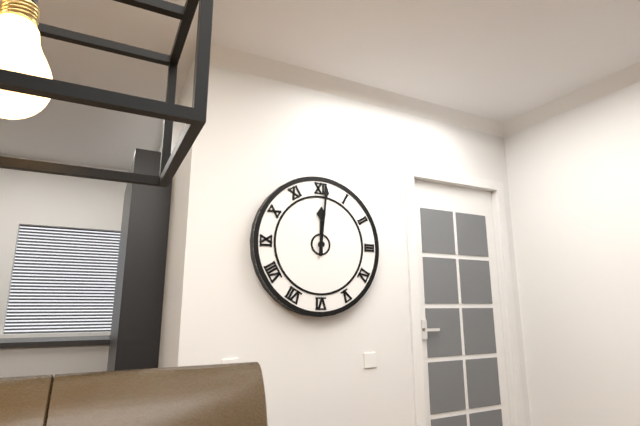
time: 12:01
